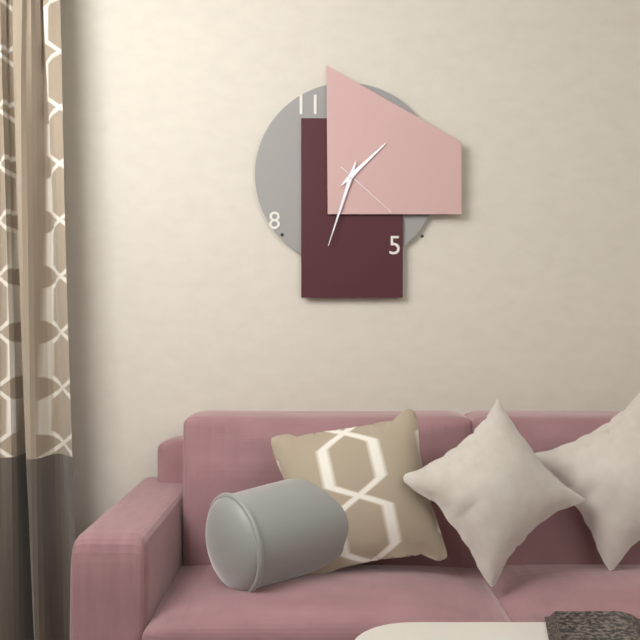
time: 1:33:22
